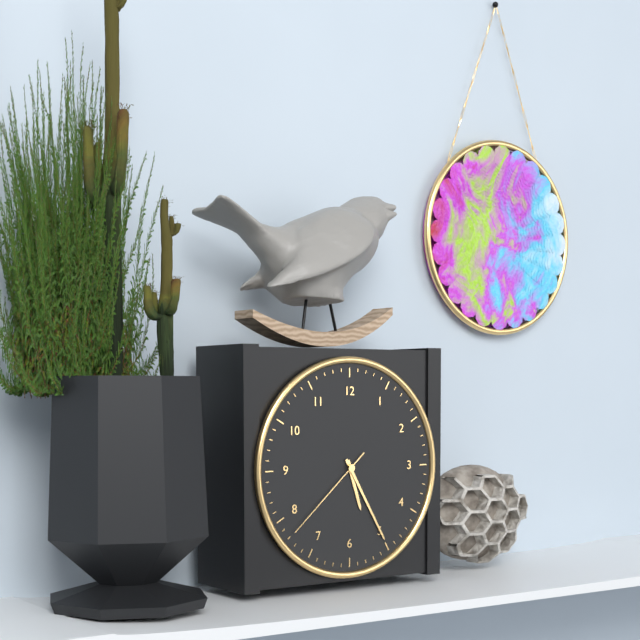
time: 5:25:38
